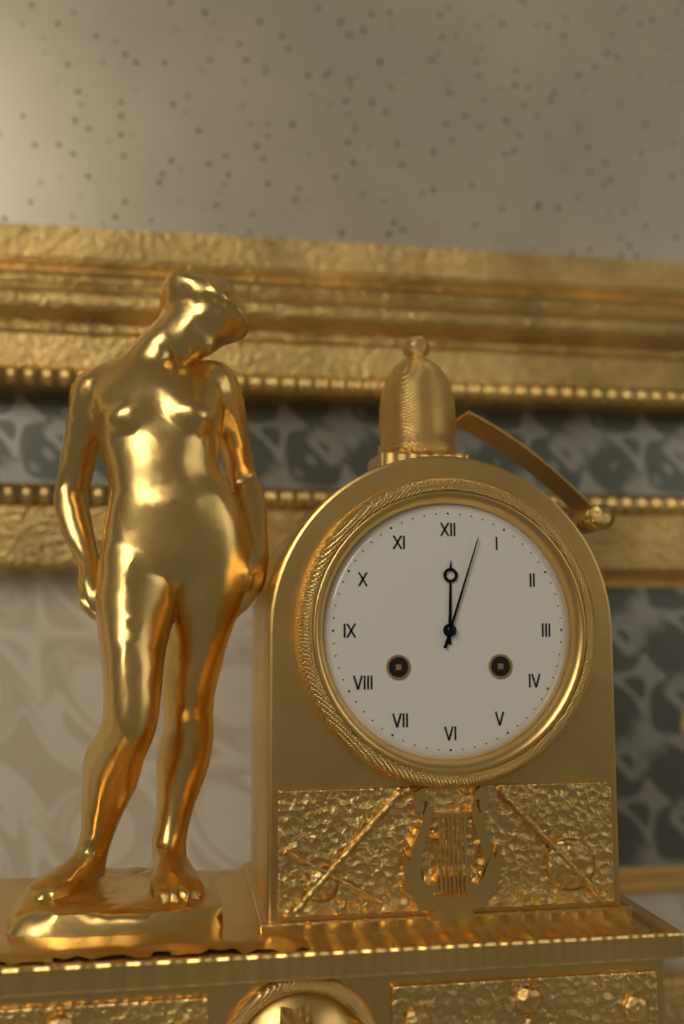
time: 12:03
